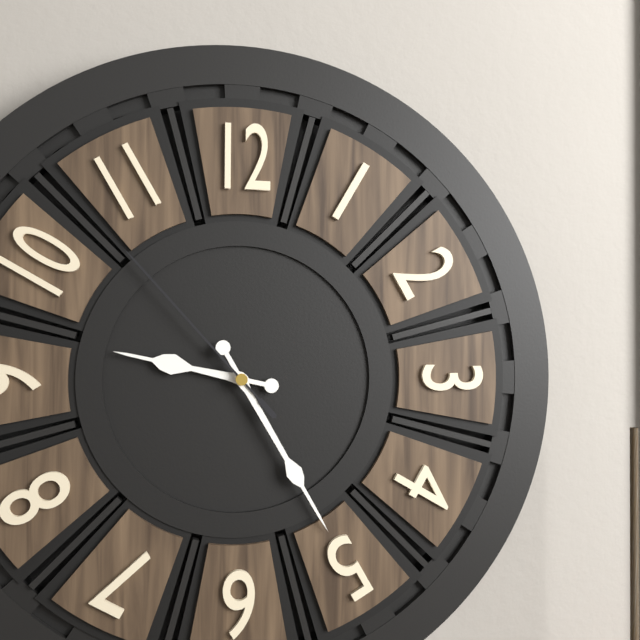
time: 9:25:53
